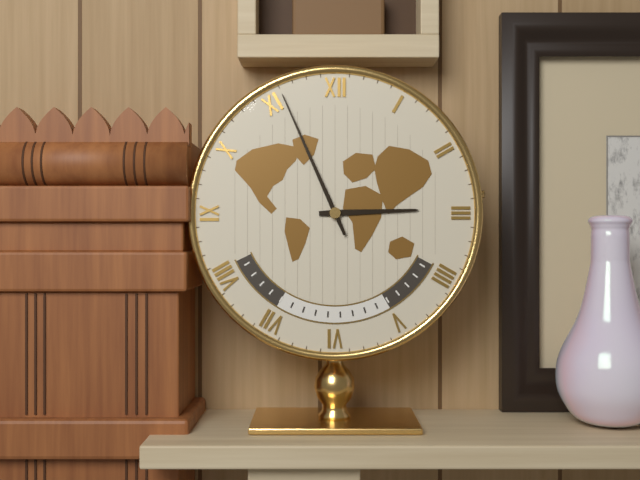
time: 2:56
